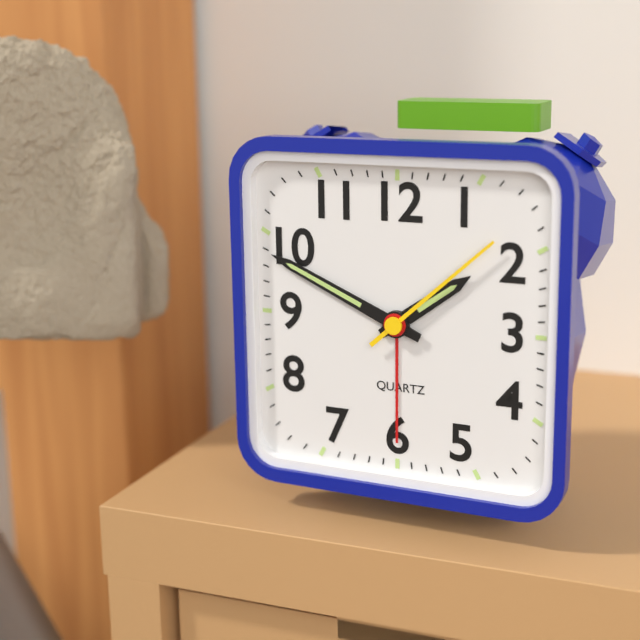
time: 1:49:08
